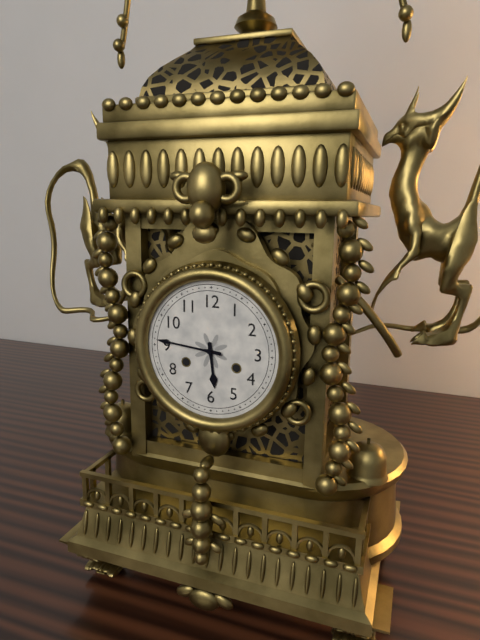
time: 5:46
